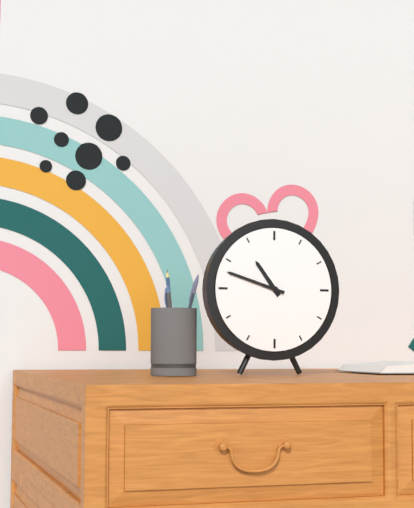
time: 10:48
